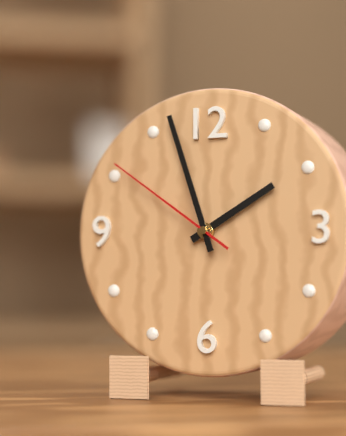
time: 1:57:51
